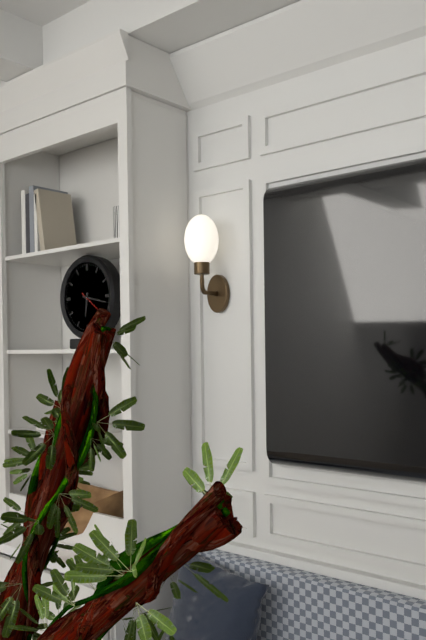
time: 6:17
